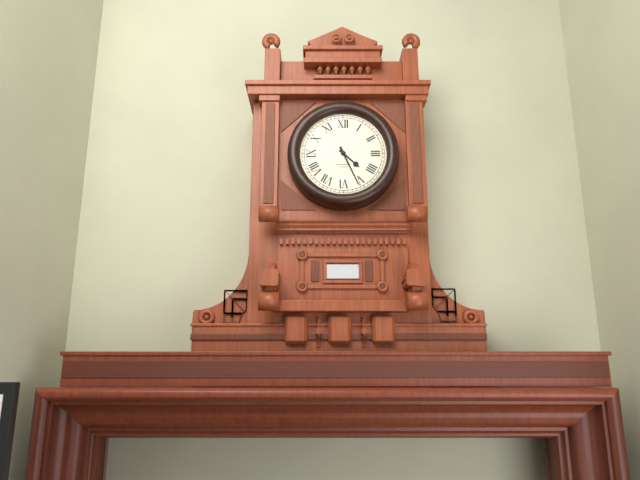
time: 4:26
